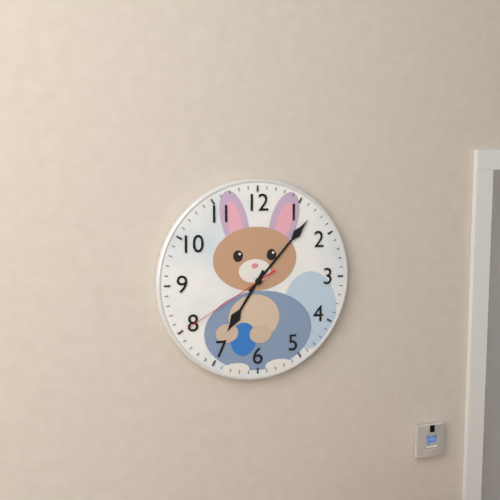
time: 7:07:40
